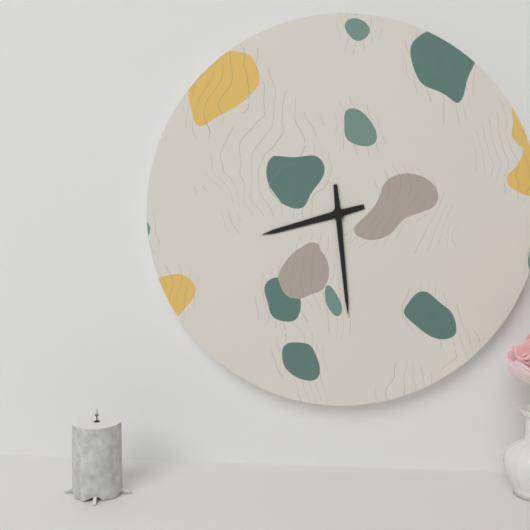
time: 8:29
